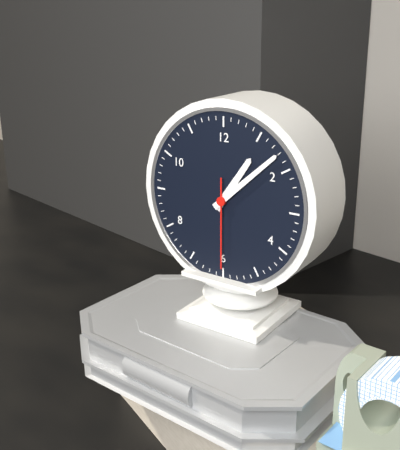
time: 1:08:30
